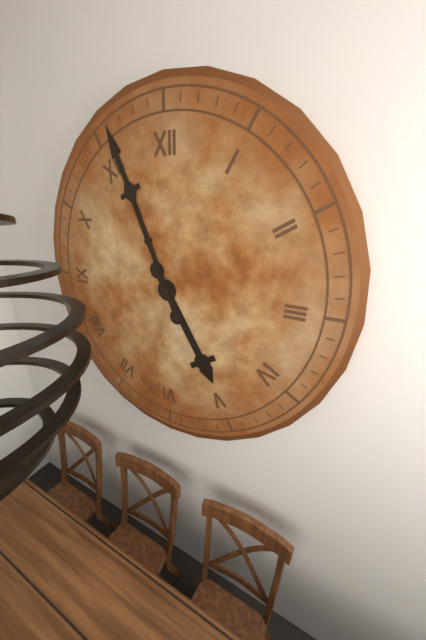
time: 4:56
